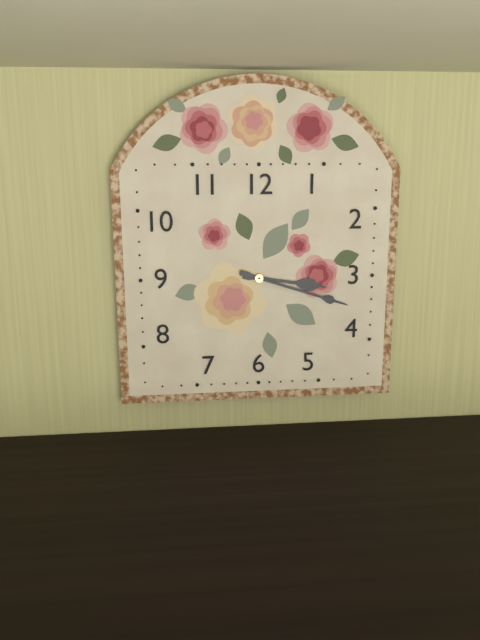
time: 3:18
